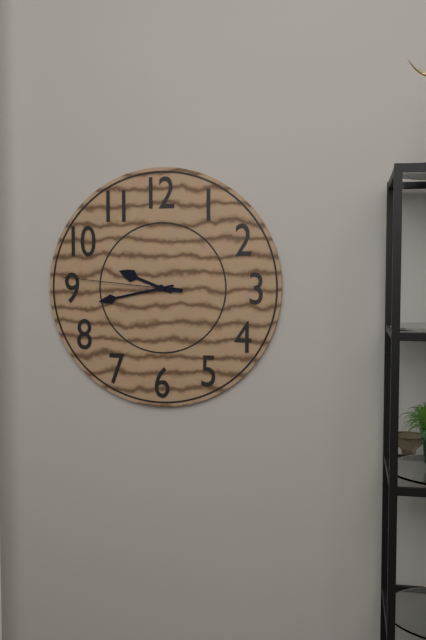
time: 9:43:46
